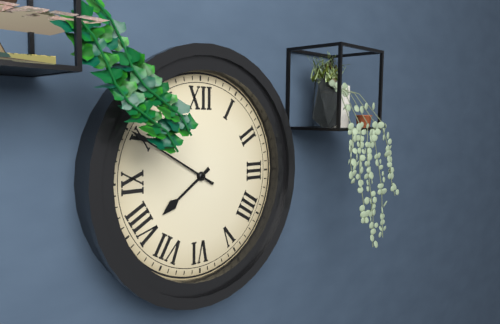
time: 7:50
